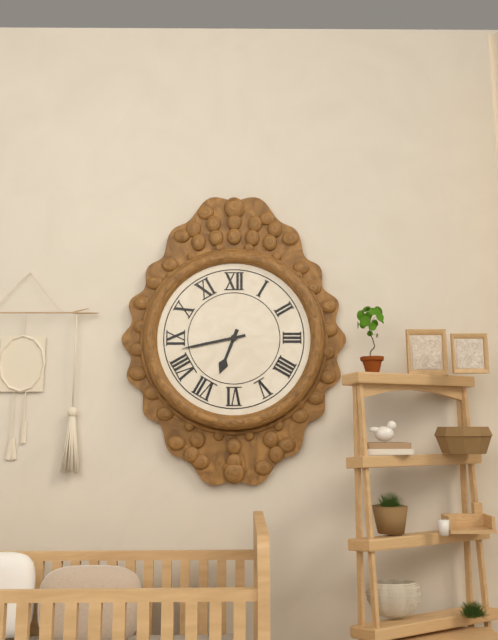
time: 6:43
